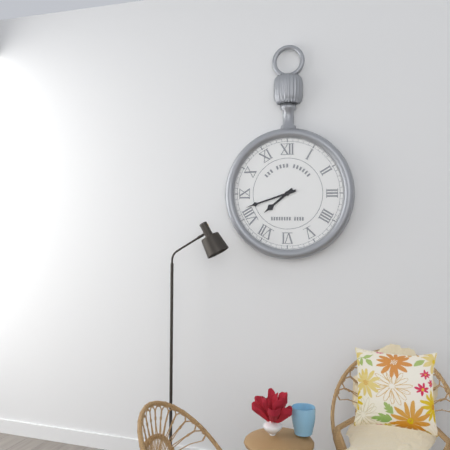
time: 7:42
